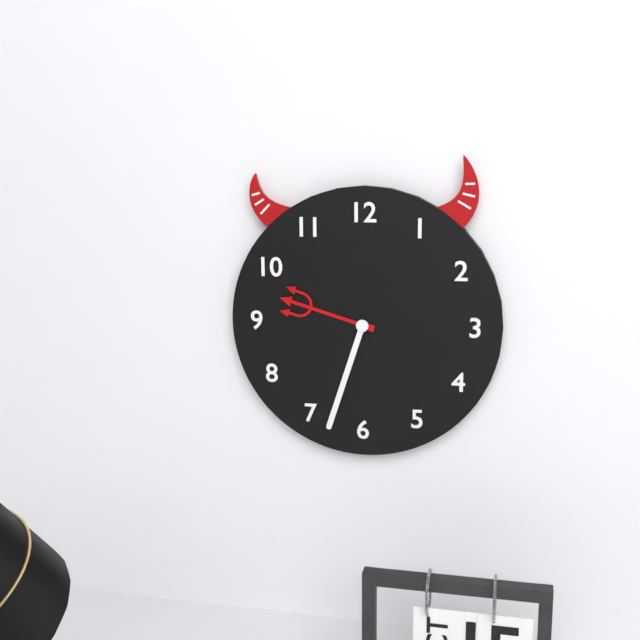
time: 9:33
